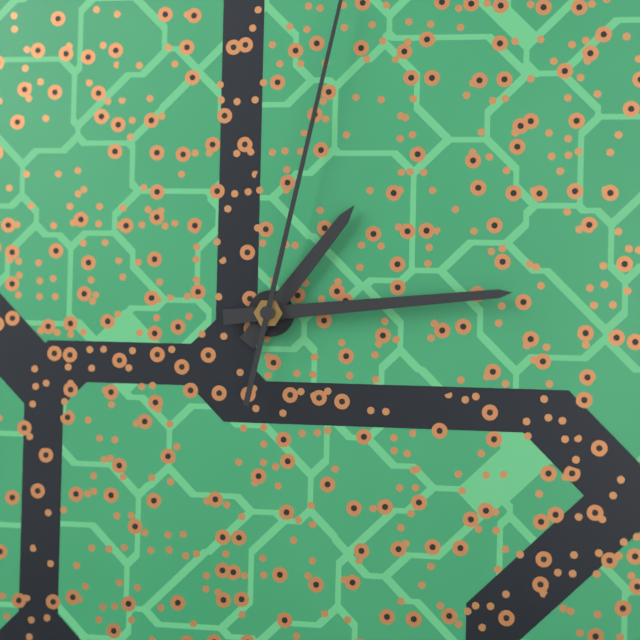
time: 1:14
